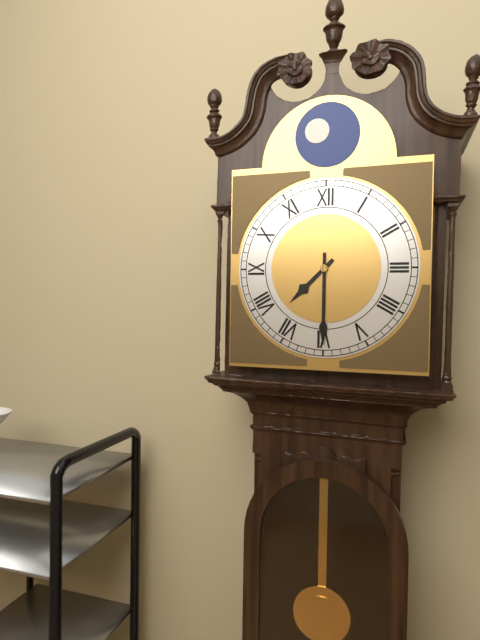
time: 7:30
